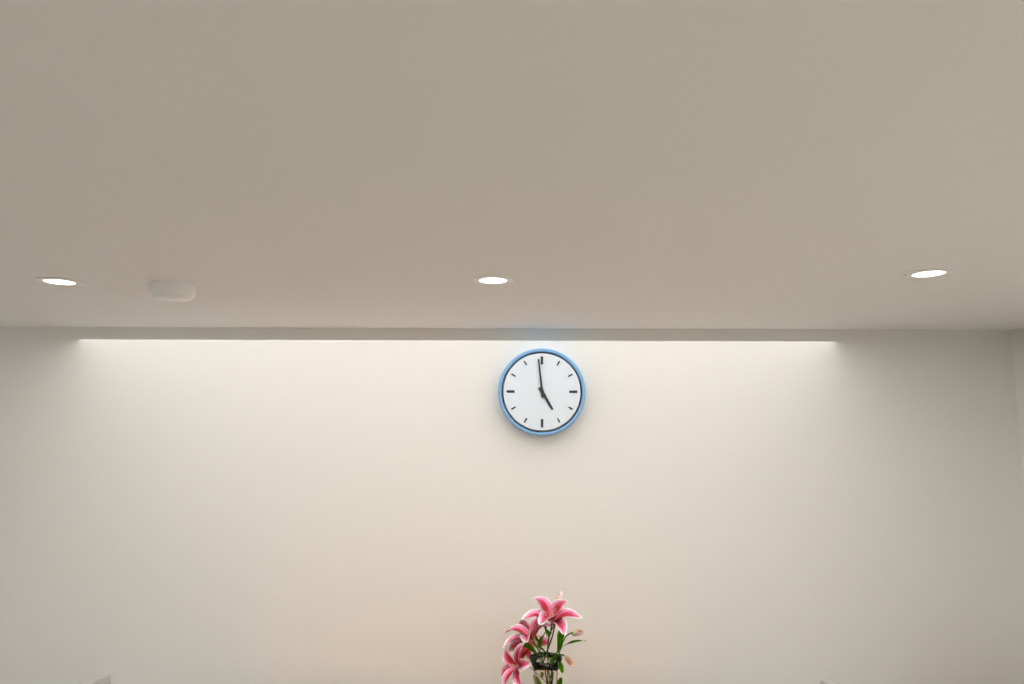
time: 4:59
